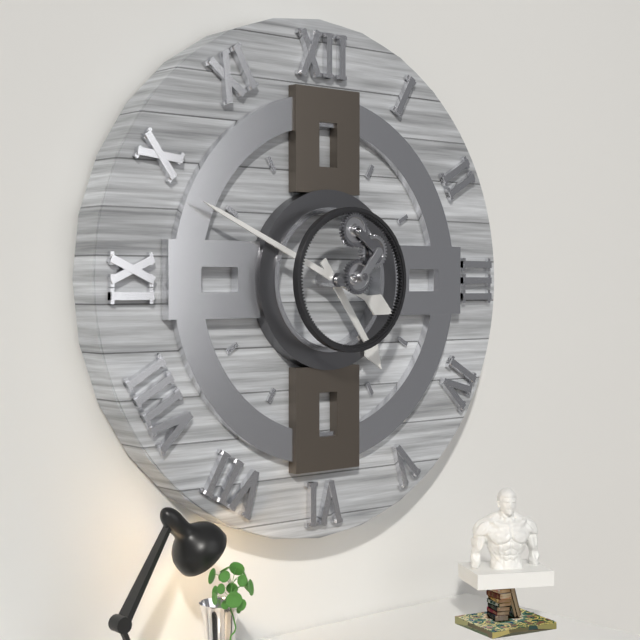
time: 4:49
